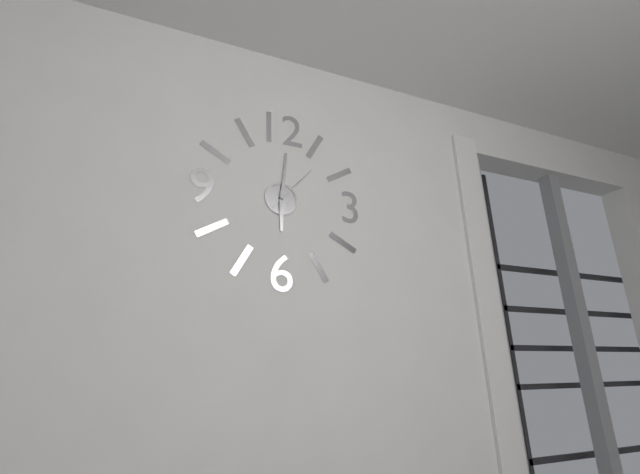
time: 6:01
